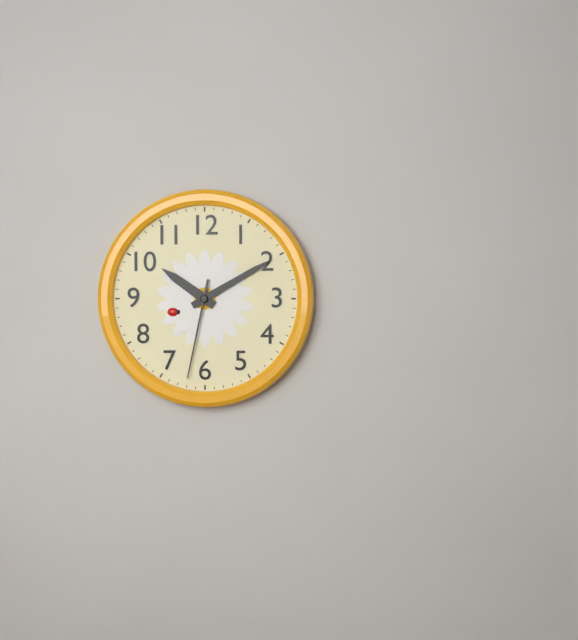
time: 10:10:32
